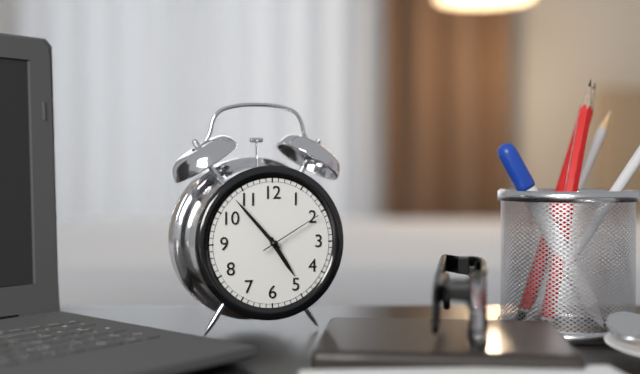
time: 4:53:10
